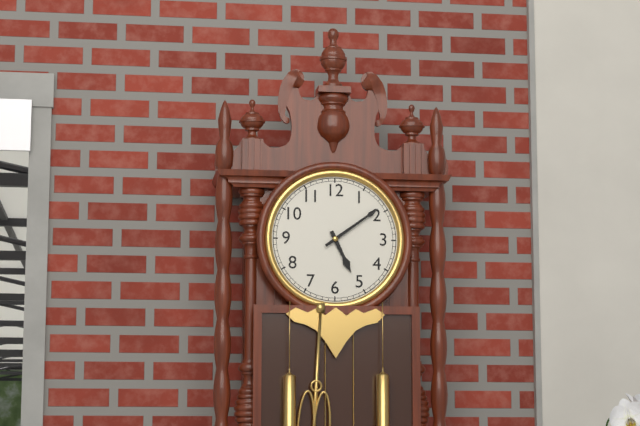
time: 5:09
